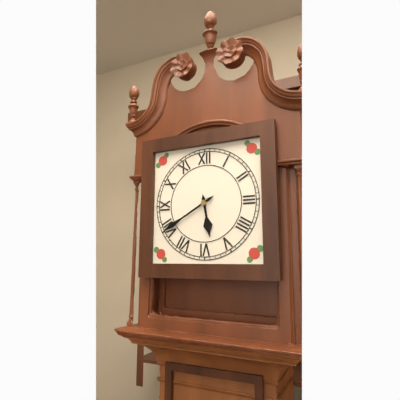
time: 5:40
